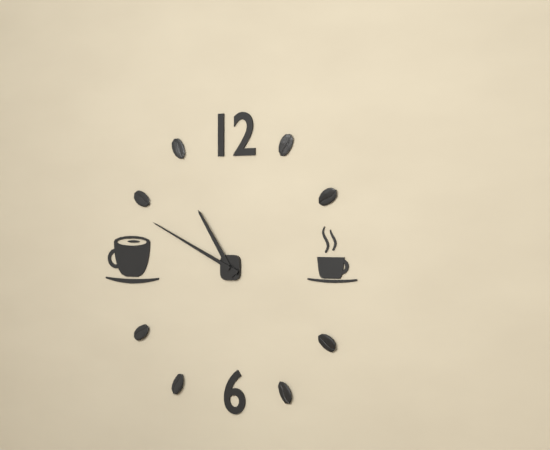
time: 10:49
